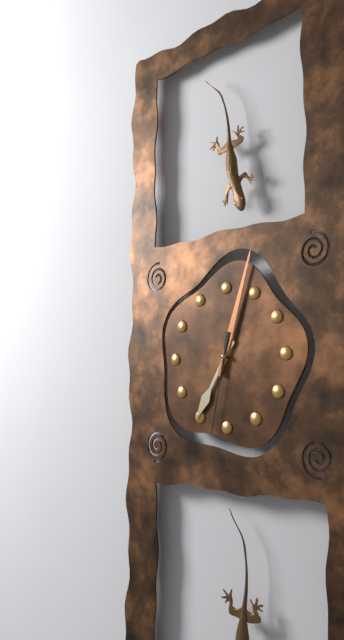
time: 7:03:32
